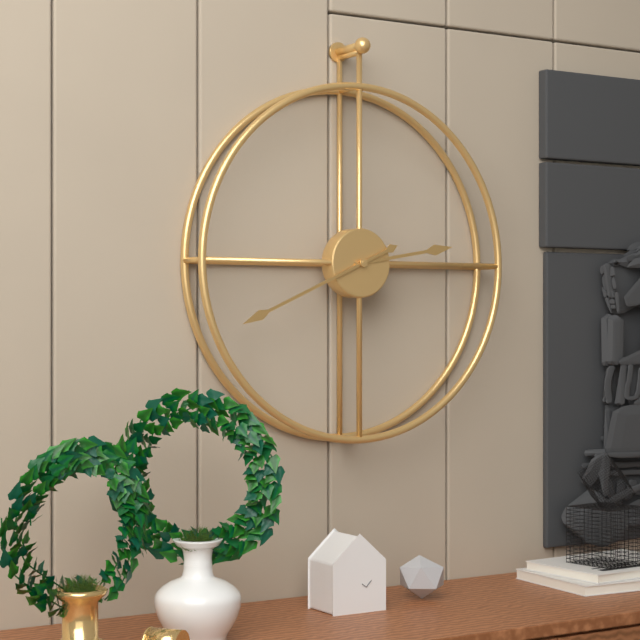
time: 2:41
